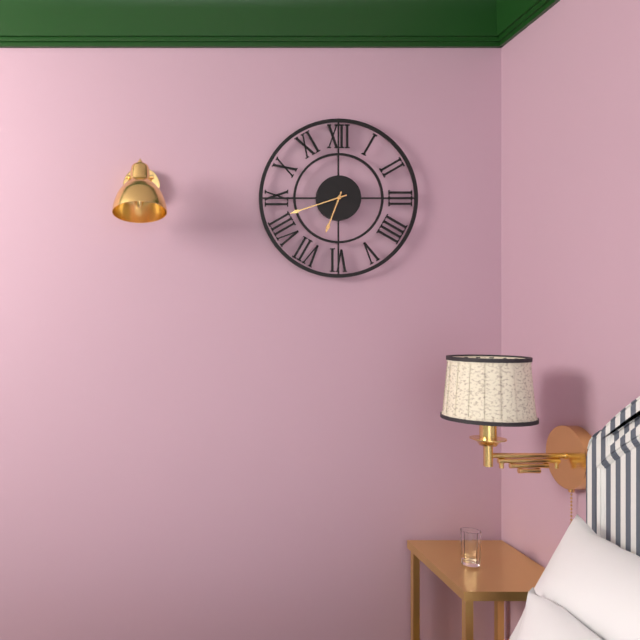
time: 6:42
